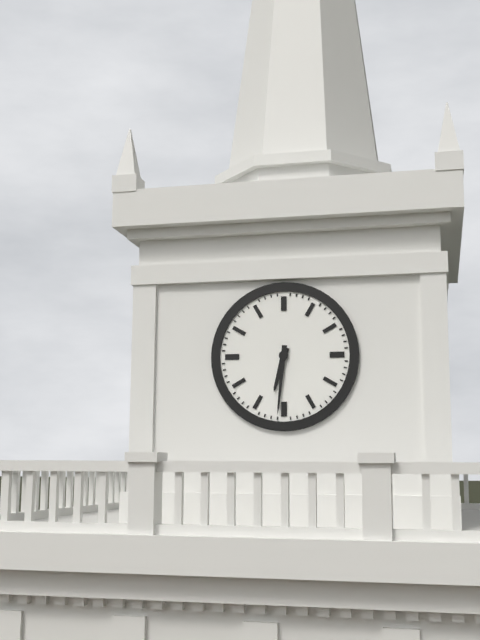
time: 6:31
